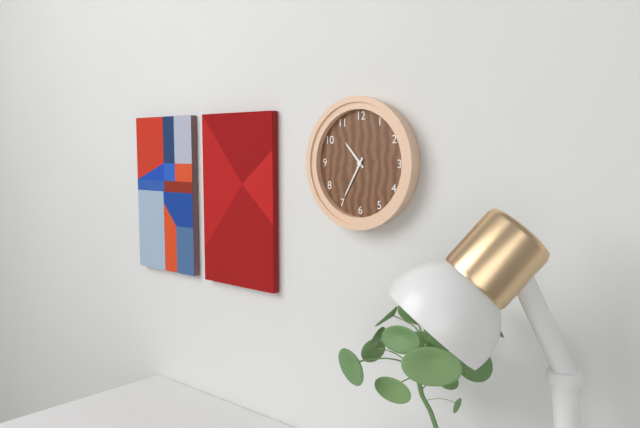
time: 10:35
